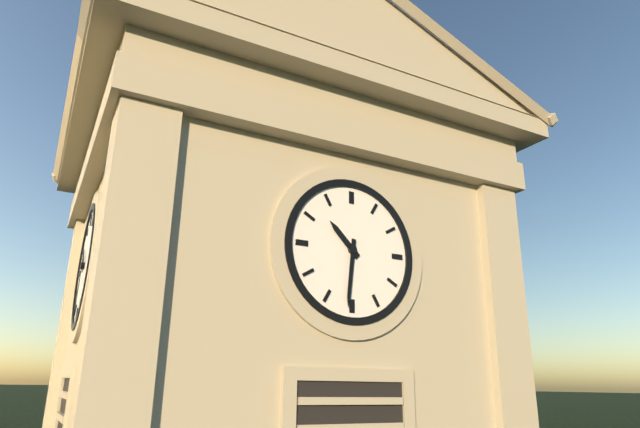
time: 10:31
